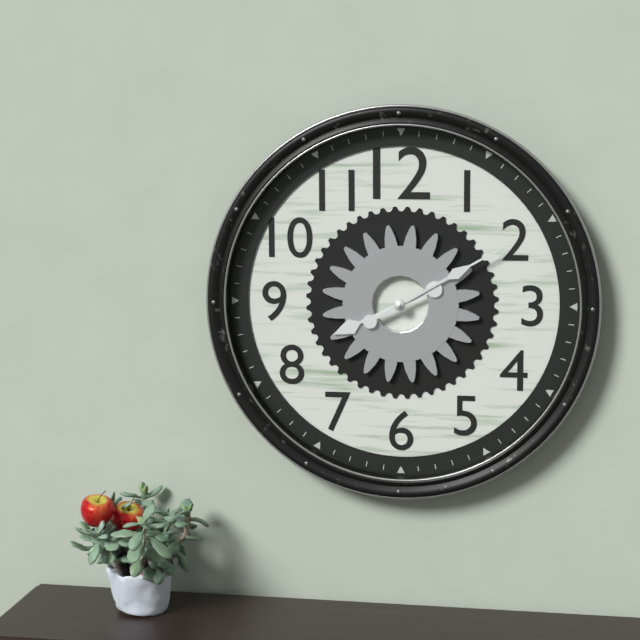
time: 8:10
